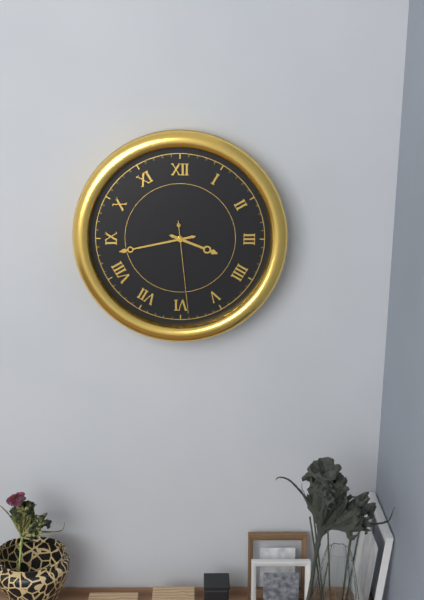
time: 3:43:29
